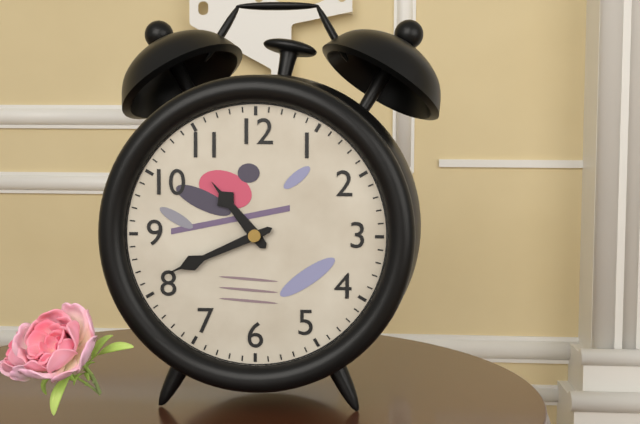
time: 10:41
